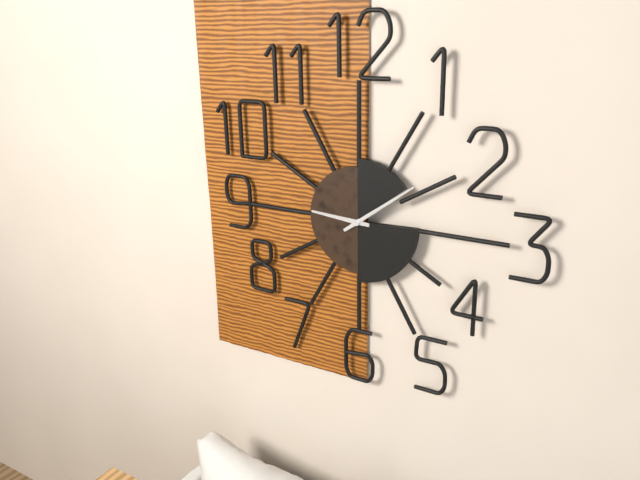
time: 9:09
